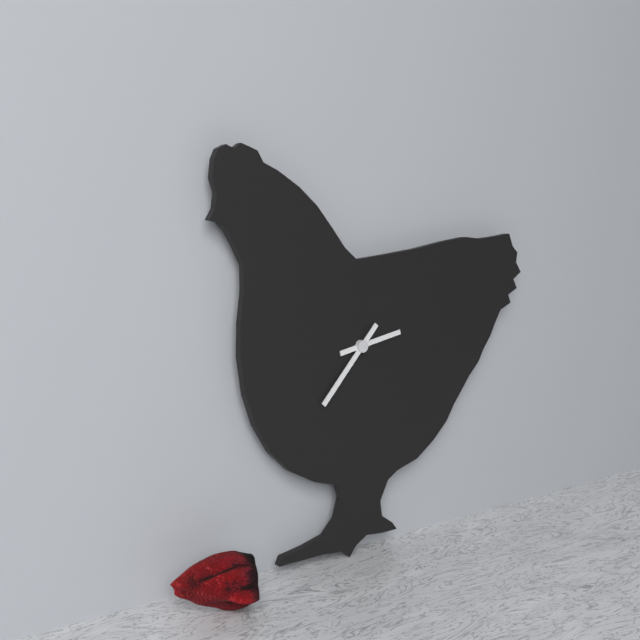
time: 2:37
